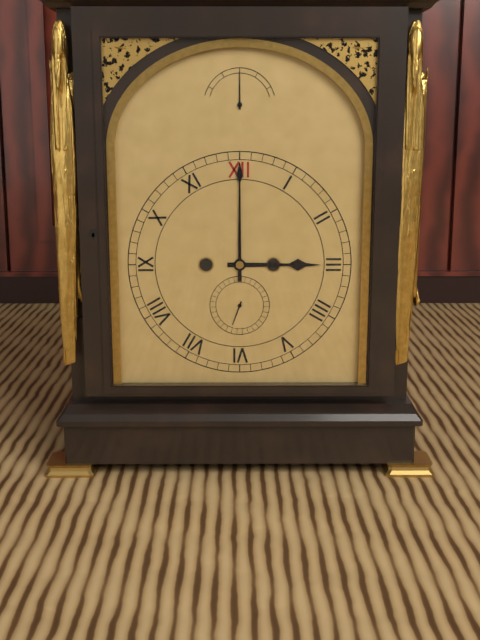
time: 3:00
